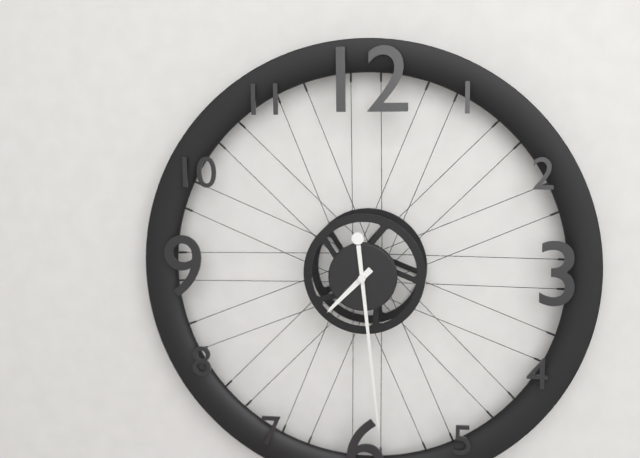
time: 7:29
